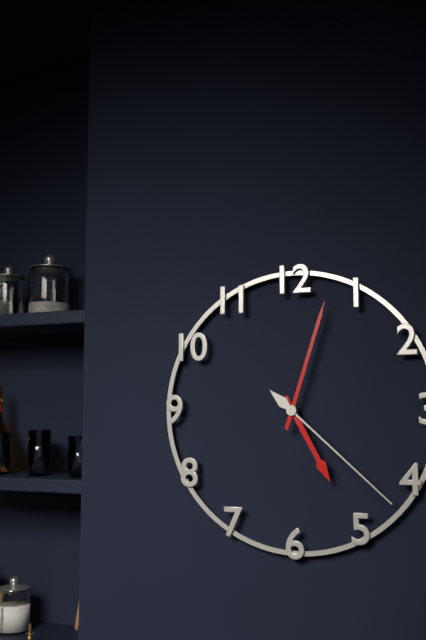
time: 5:03:22
